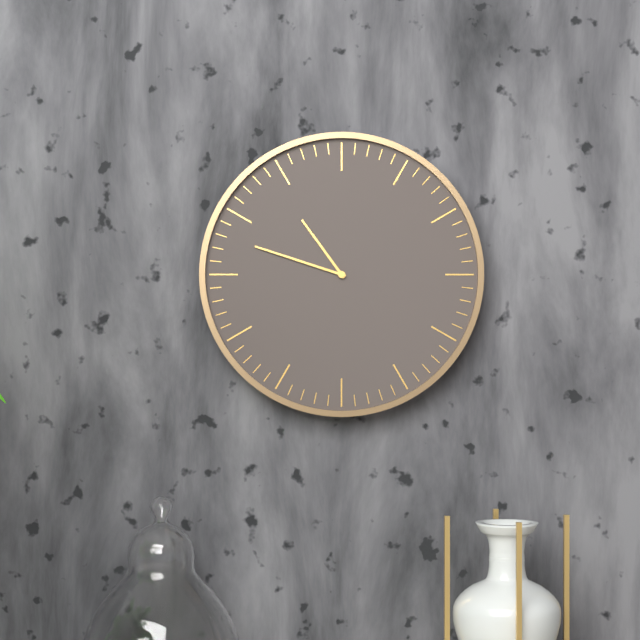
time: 10:48
